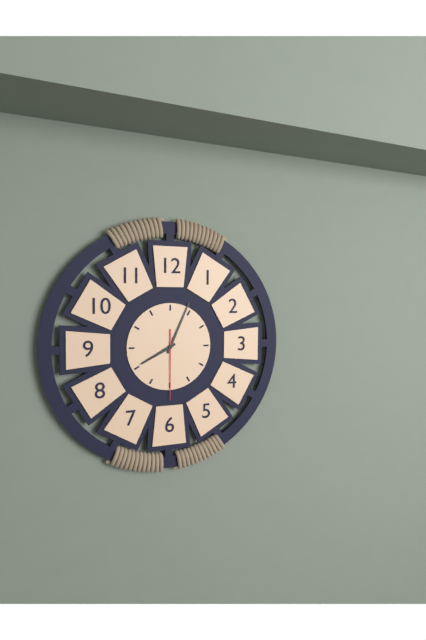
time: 8:04:30
